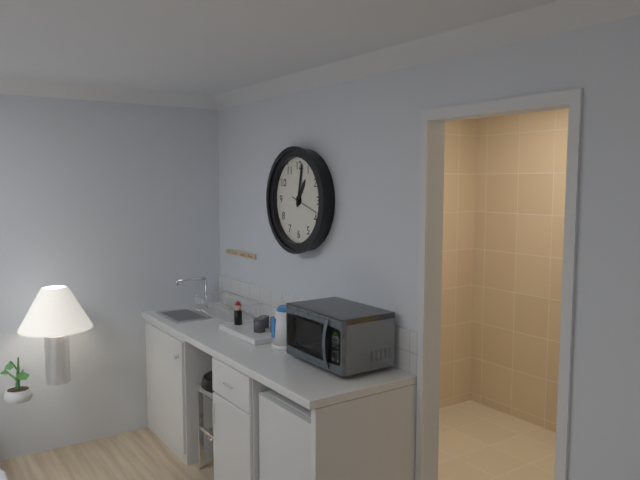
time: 1:02
